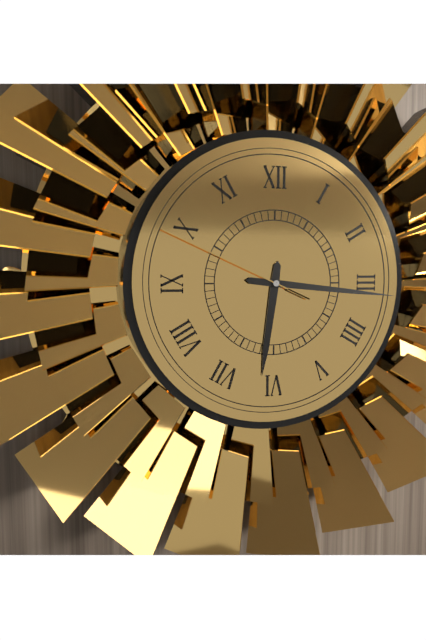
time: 6:16:49
